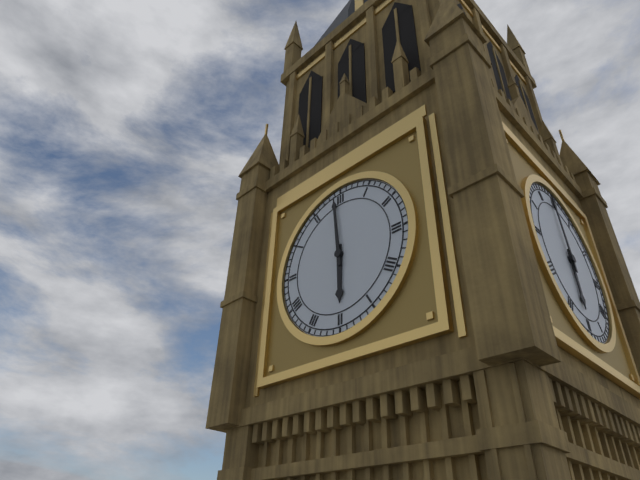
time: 5:59
